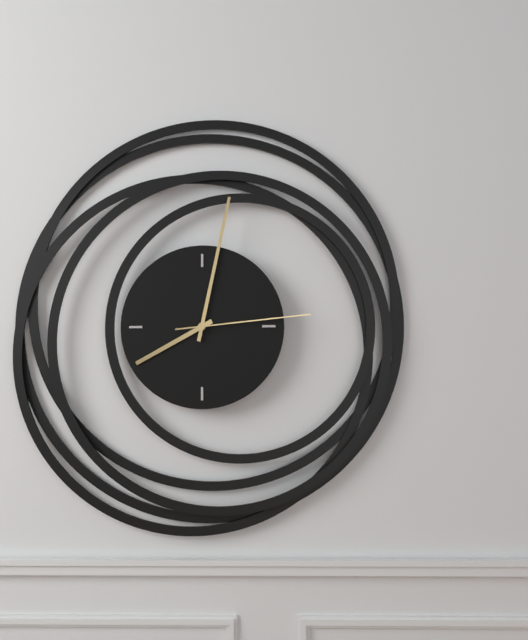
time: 8:02:14
